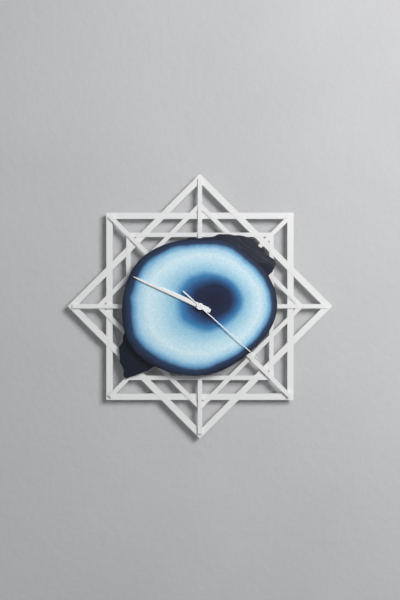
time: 9:49:22
